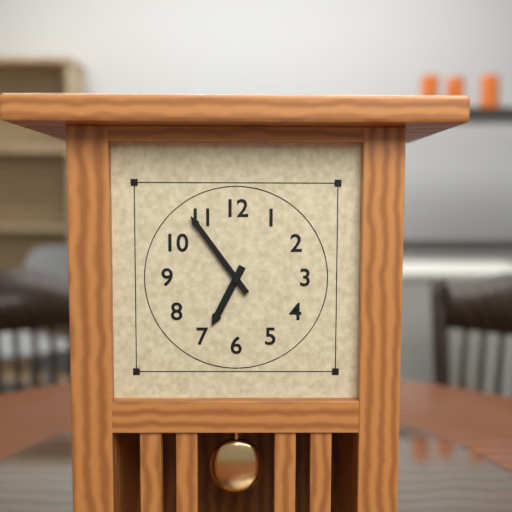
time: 6:54
